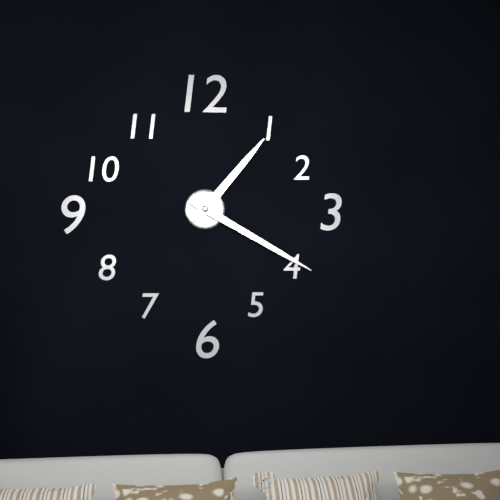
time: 1:20
